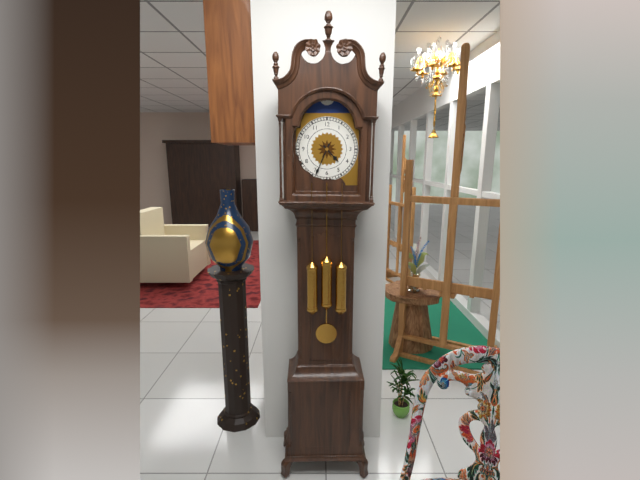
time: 4:34
